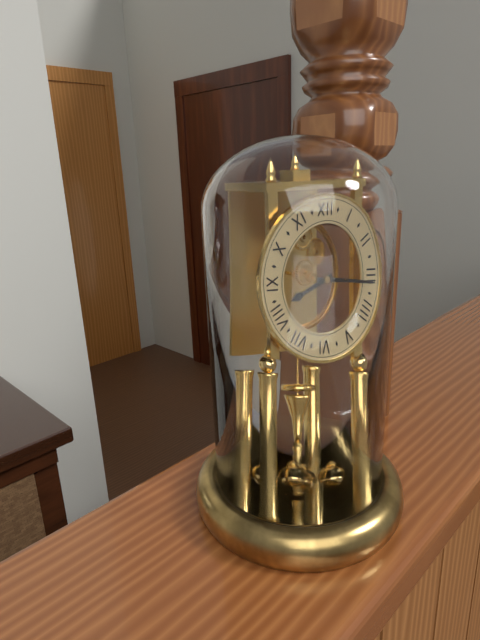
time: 8:16
